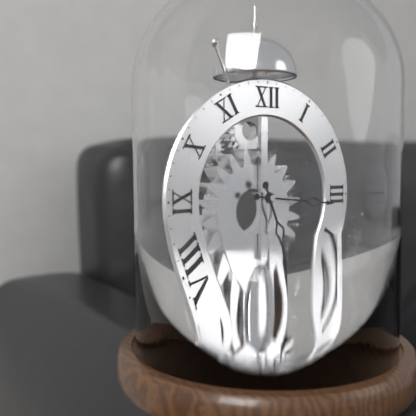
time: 5:16
